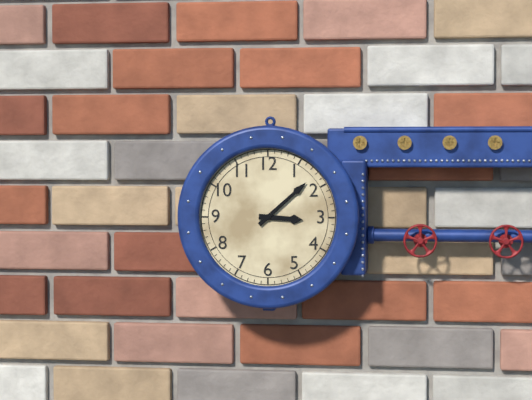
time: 3:08
